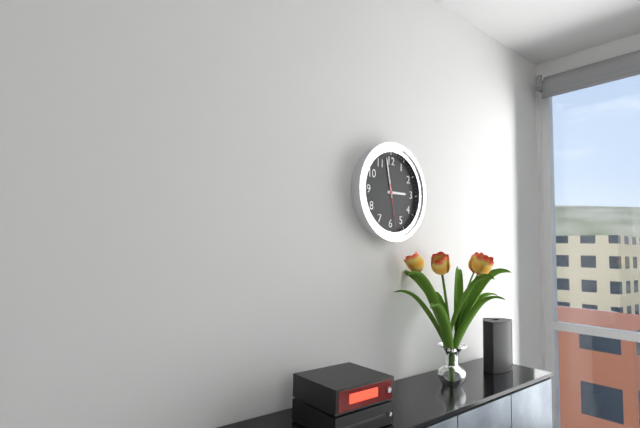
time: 2:58
